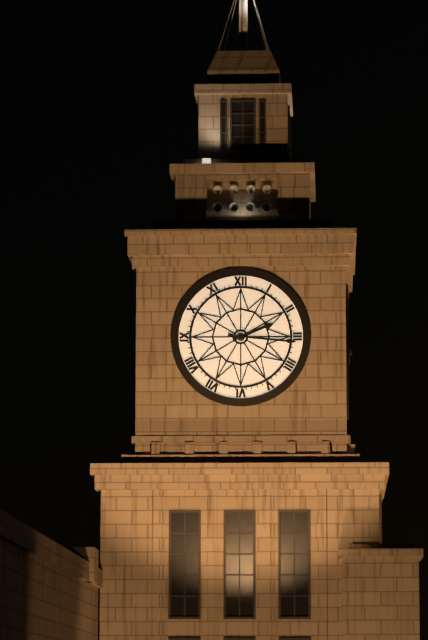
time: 2:16
